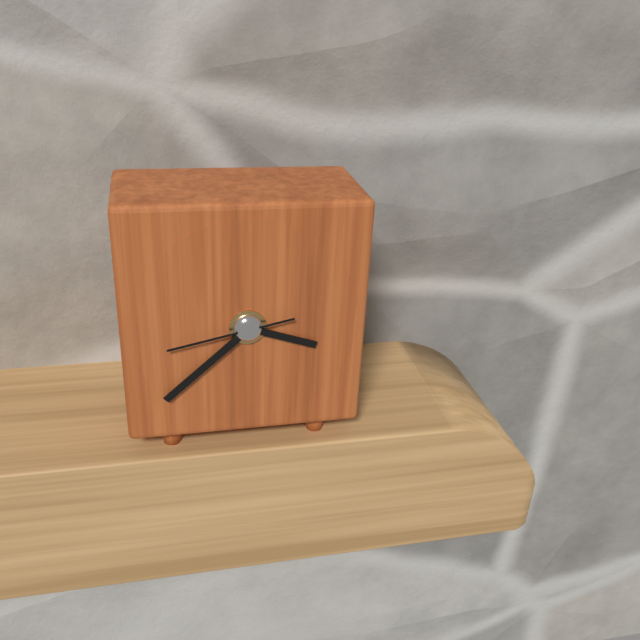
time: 3:38:43
